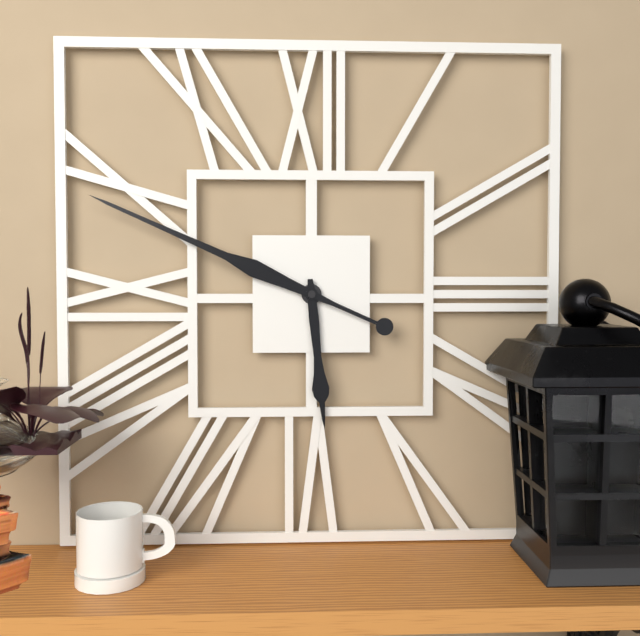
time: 5:49
